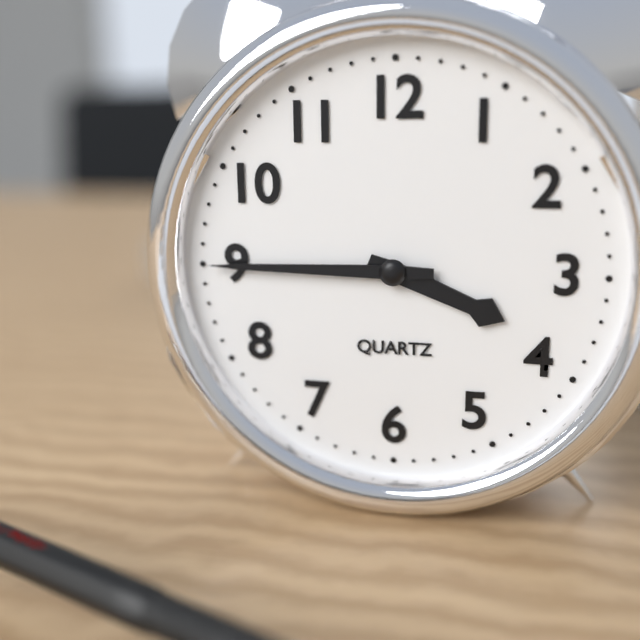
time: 3:45
